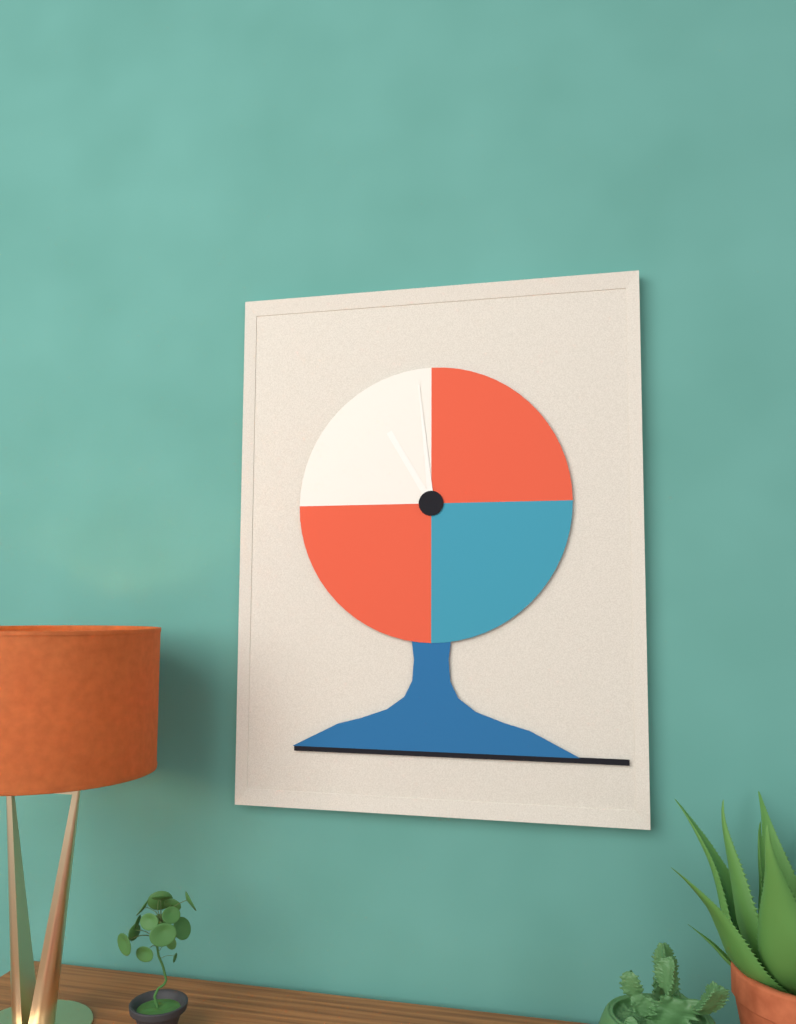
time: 10:59
